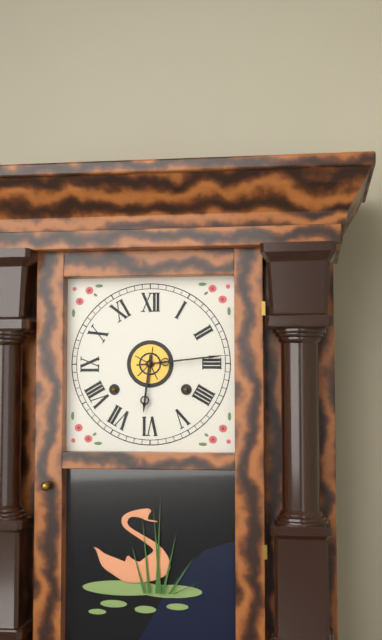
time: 6:14
